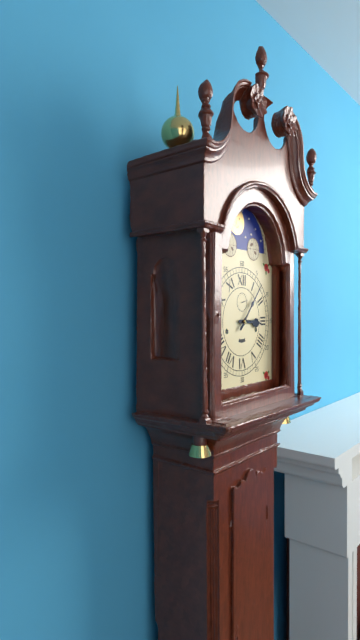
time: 3:07
